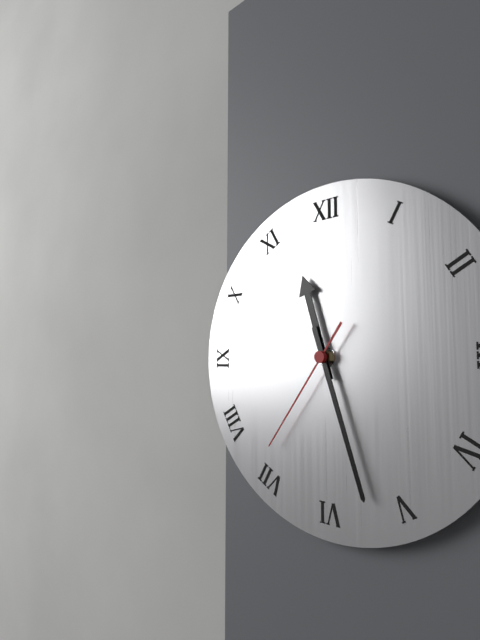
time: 11:27:36
